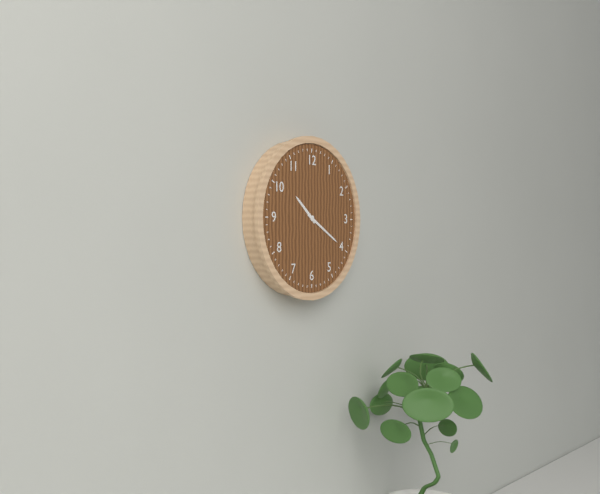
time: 10:20
